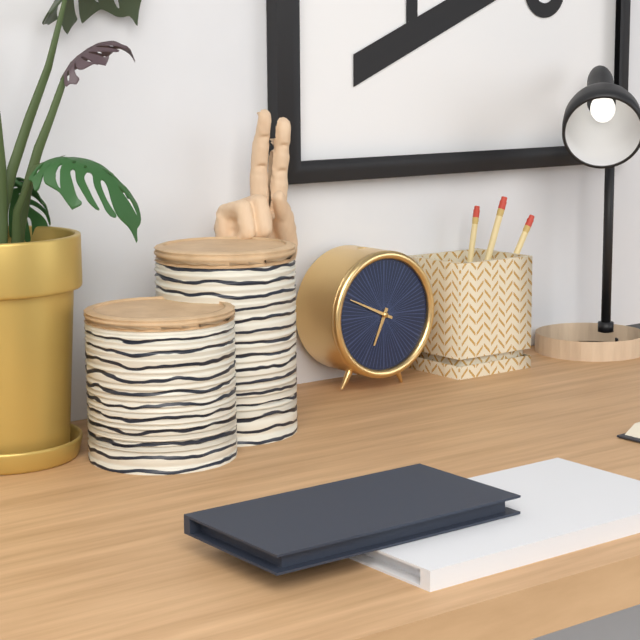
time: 6:49
